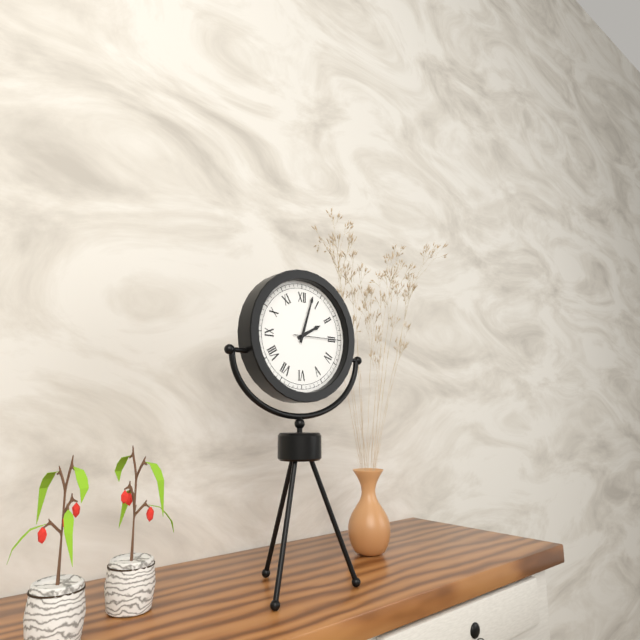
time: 2:03
